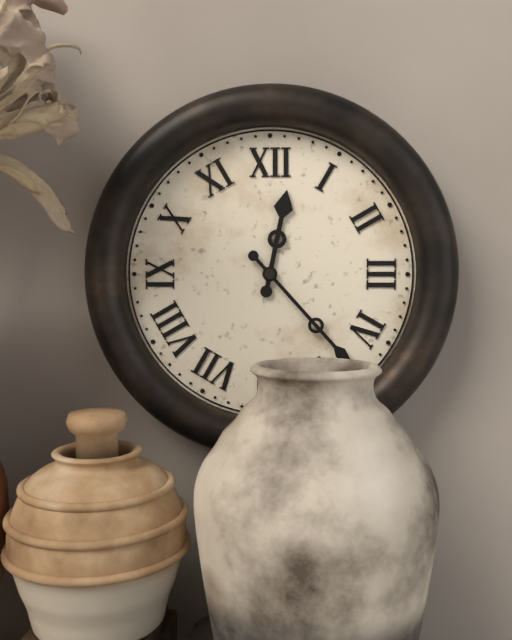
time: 12:23
